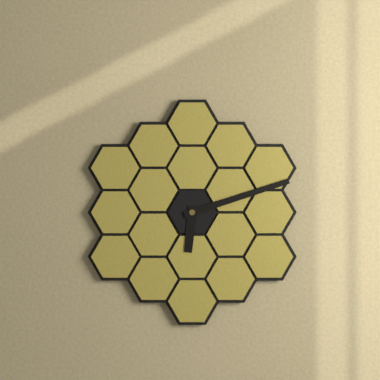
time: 6:12
